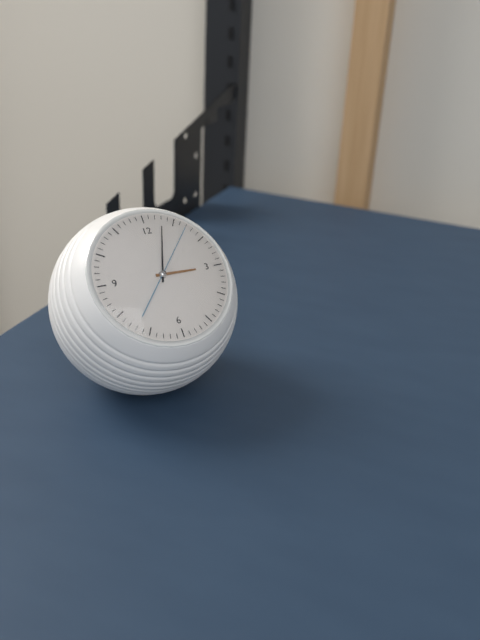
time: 3:03:07
